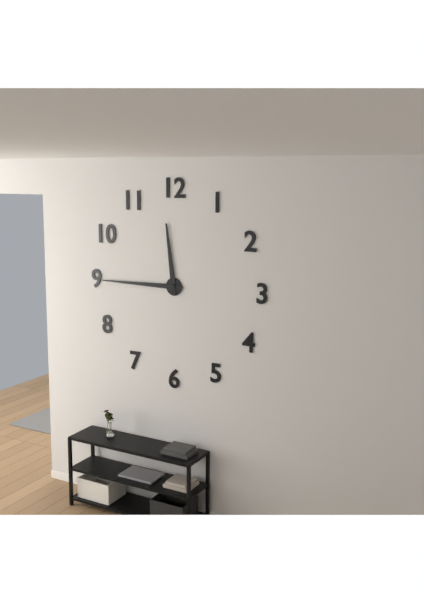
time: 11:45
